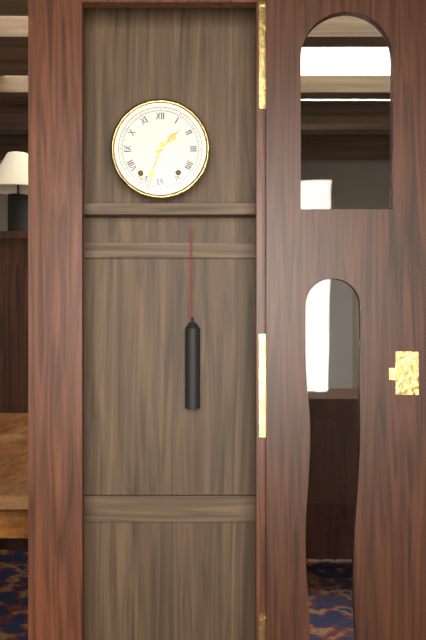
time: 1:33
